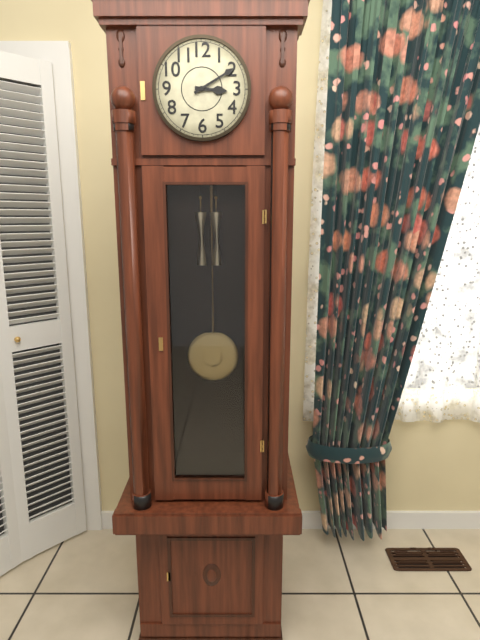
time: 3:10
